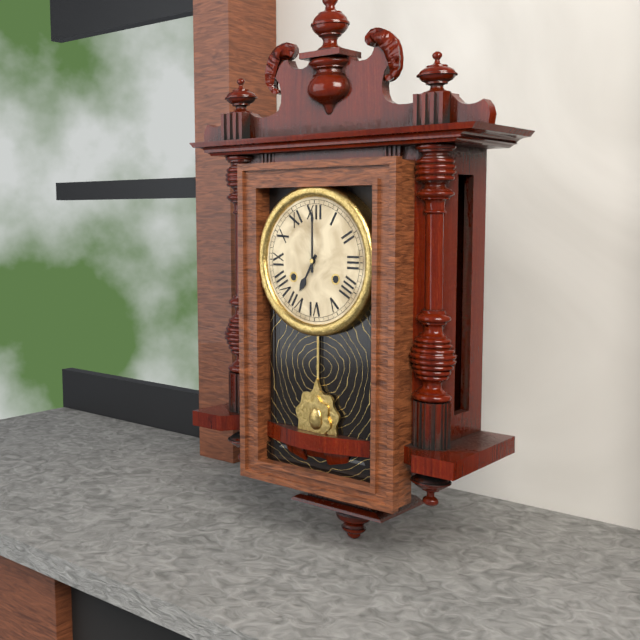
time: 7:00
